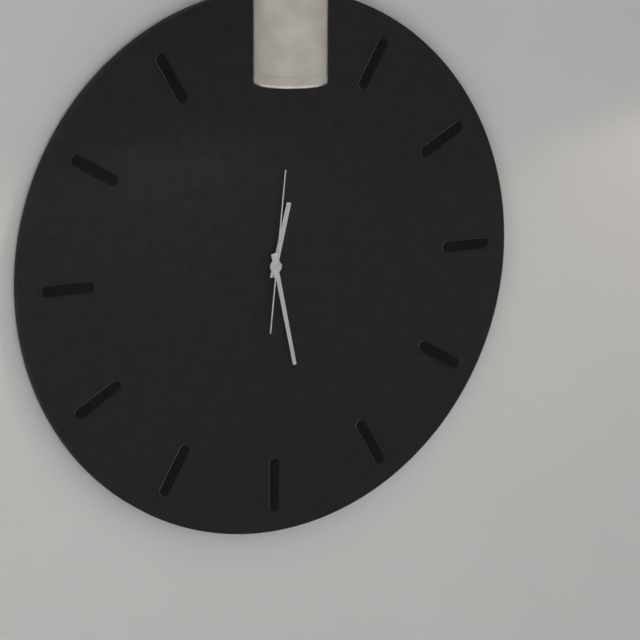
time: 12:28:01
